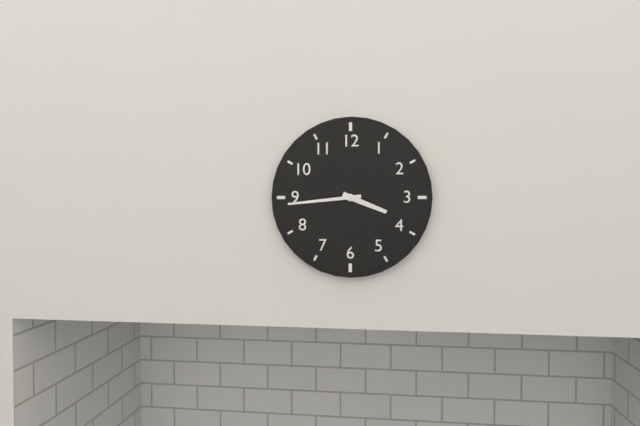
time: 3:44
